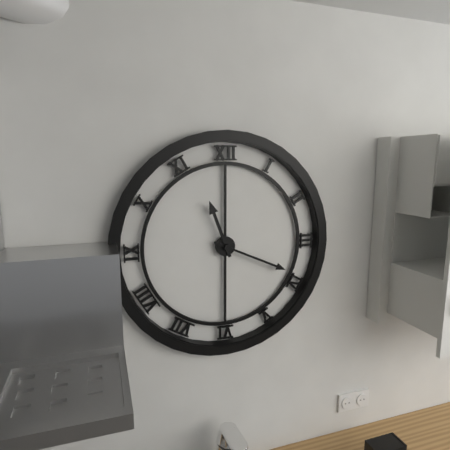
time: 11:19
